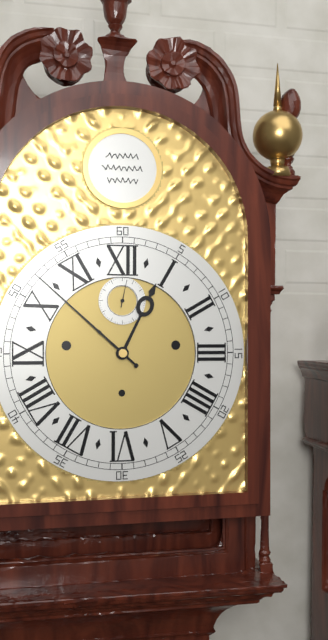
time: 12:52
